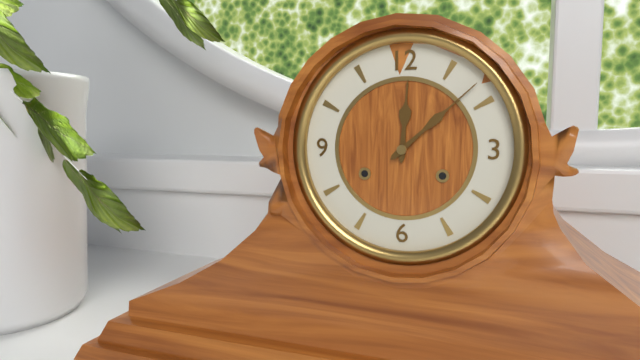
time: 12:08
